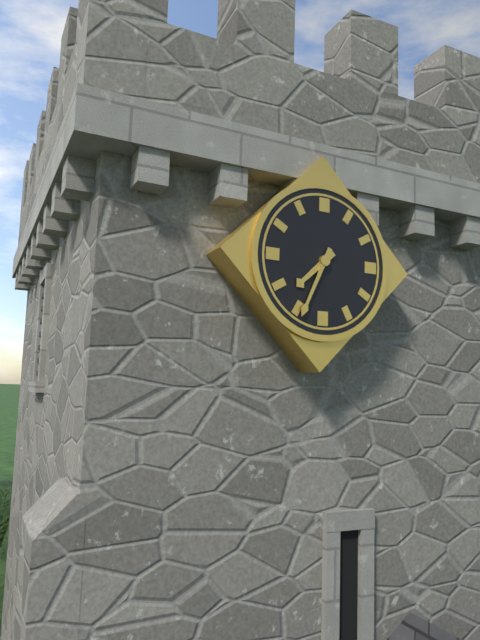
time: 7:34
